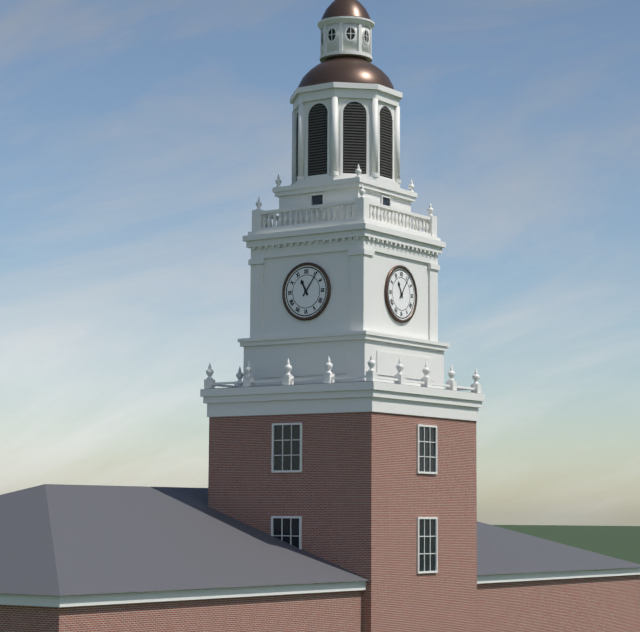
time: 11:06
